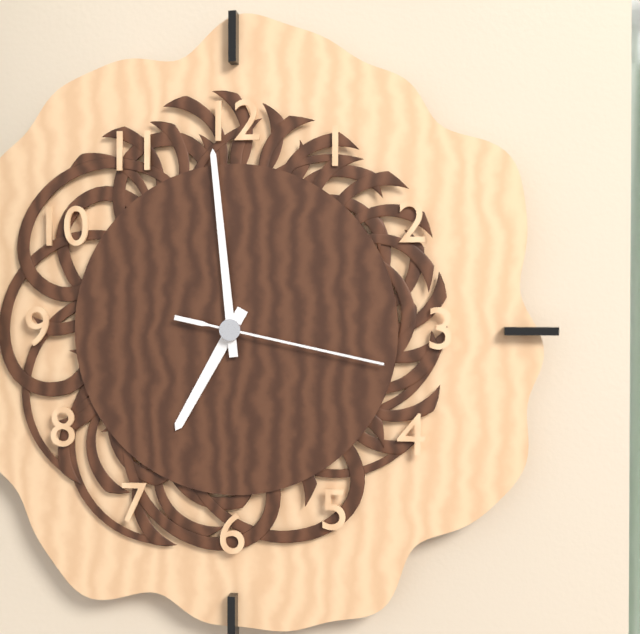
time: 6:59:17
